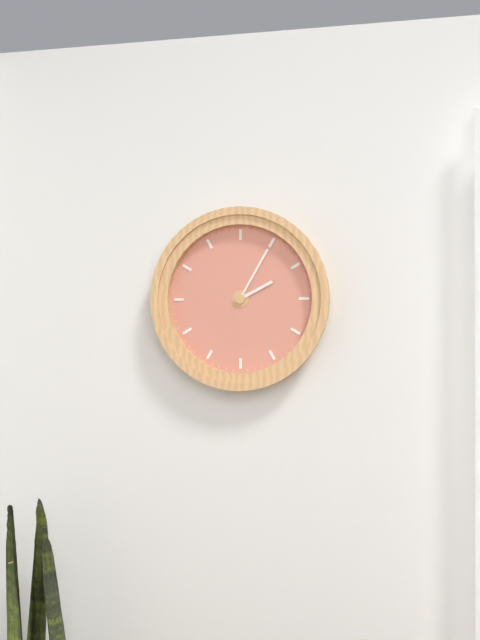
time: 2:05
